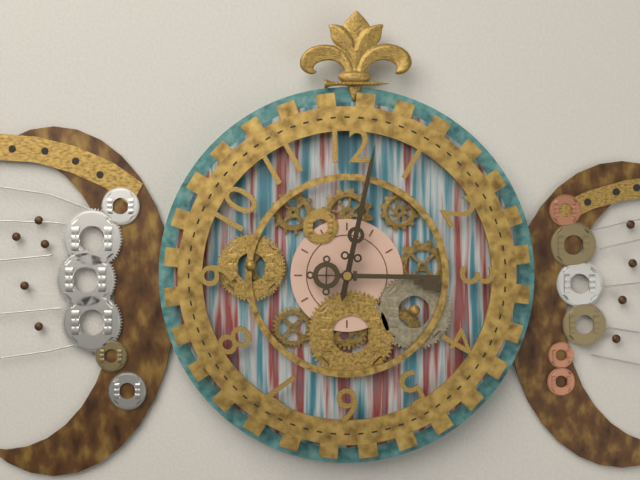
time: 3:02
